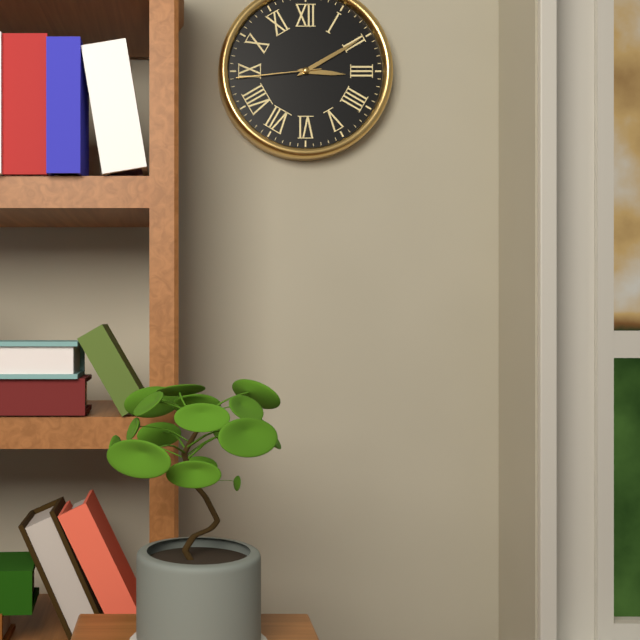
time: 3:10:44
